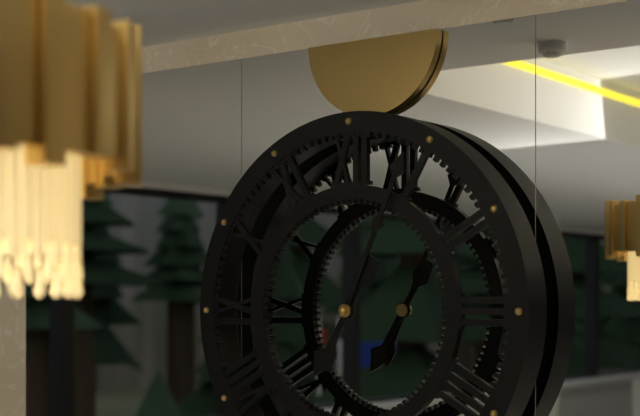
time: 7:04
